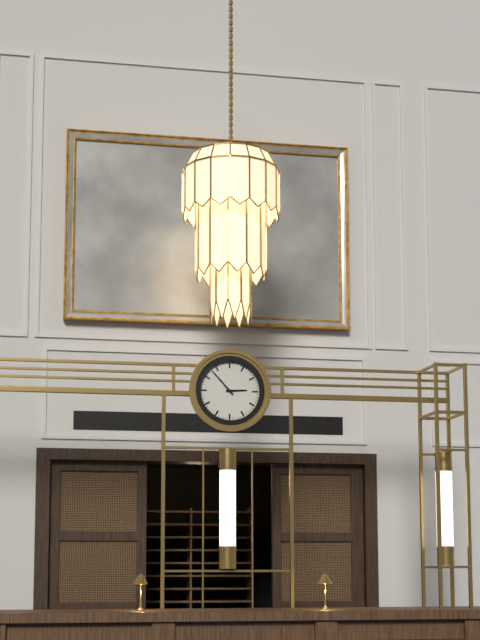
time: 2:53
